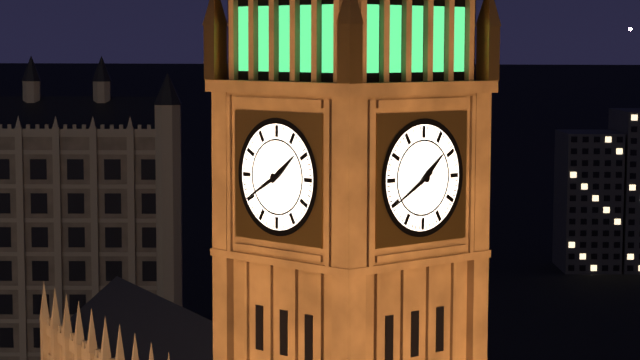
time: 1:40
